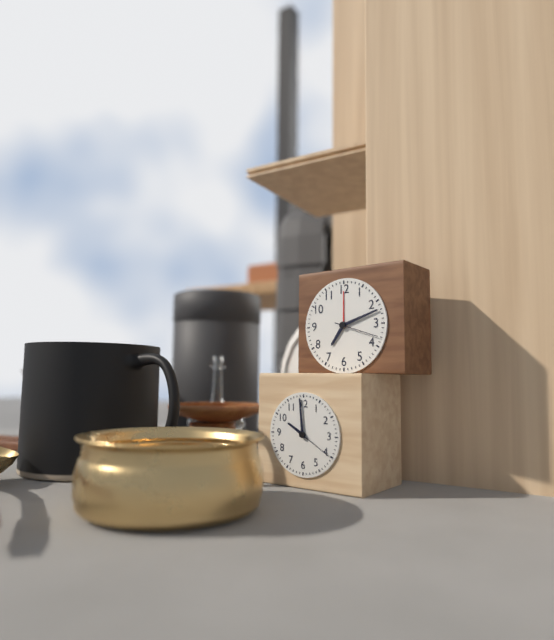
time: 7:12
